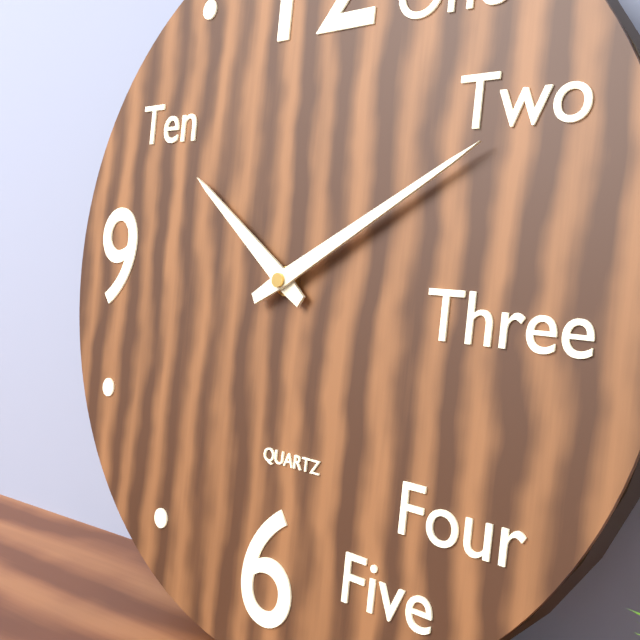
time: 10:10
